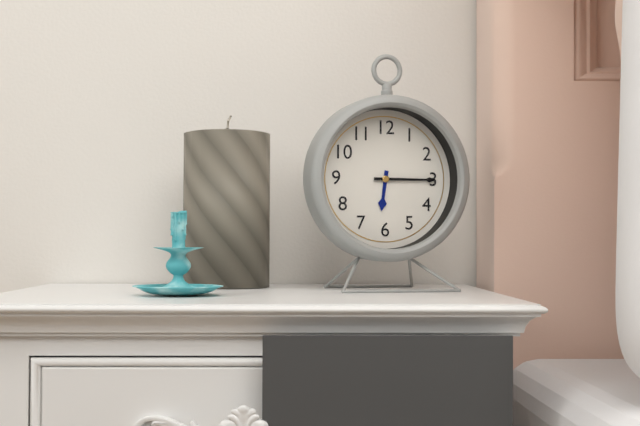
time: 6:15
